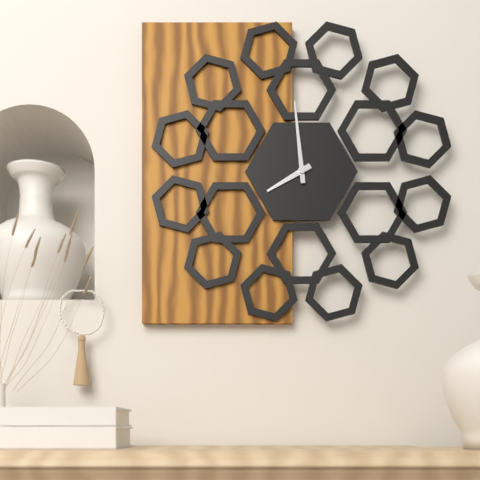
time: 7:59
